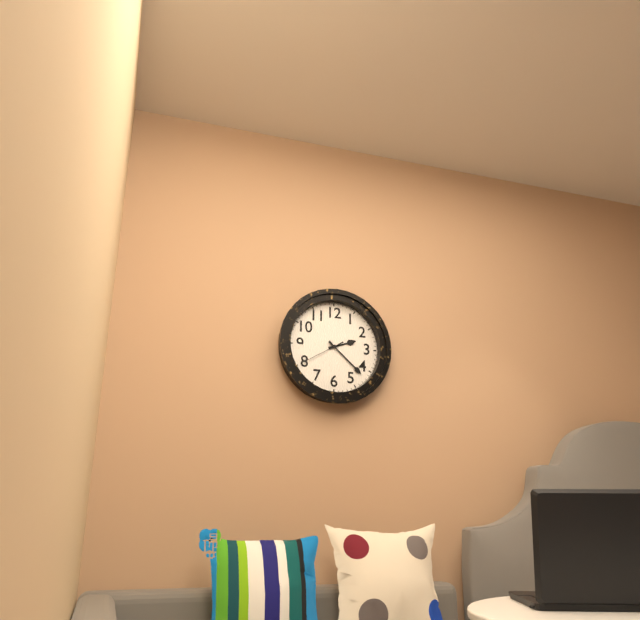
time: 2:22
